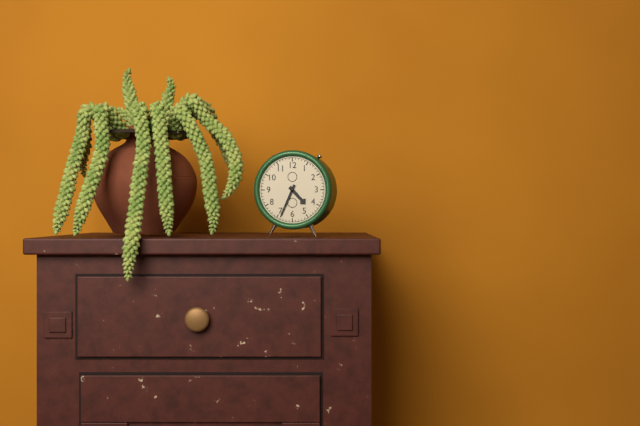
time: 4:34
